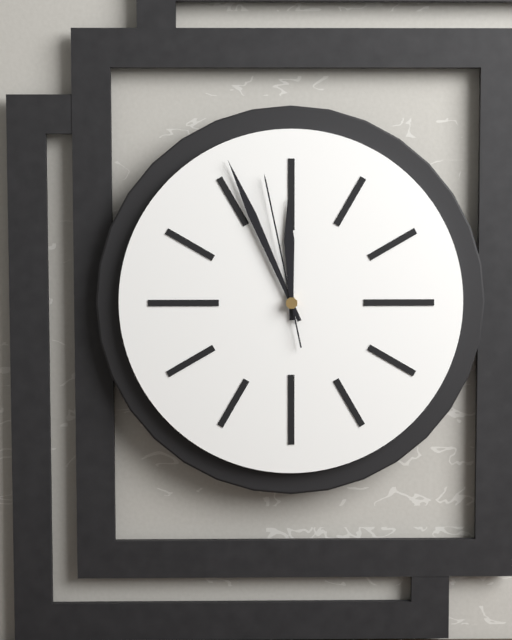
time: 11:56:58
